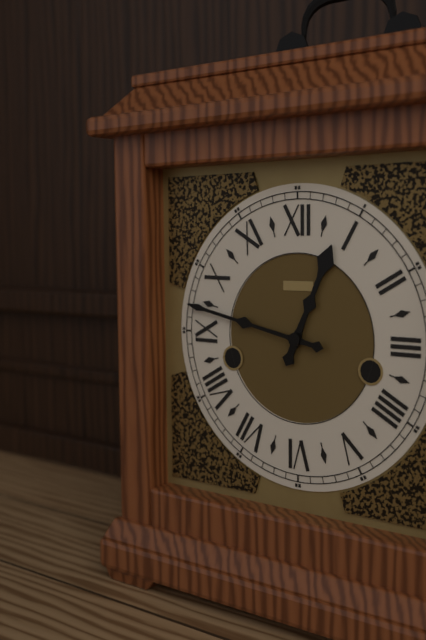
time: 12:47
